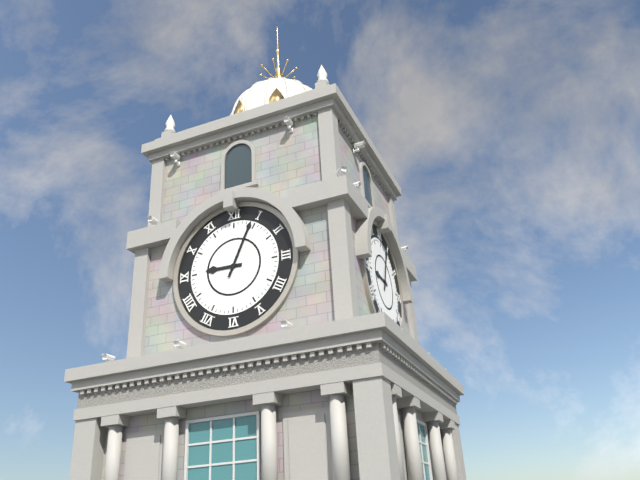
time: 9:04
